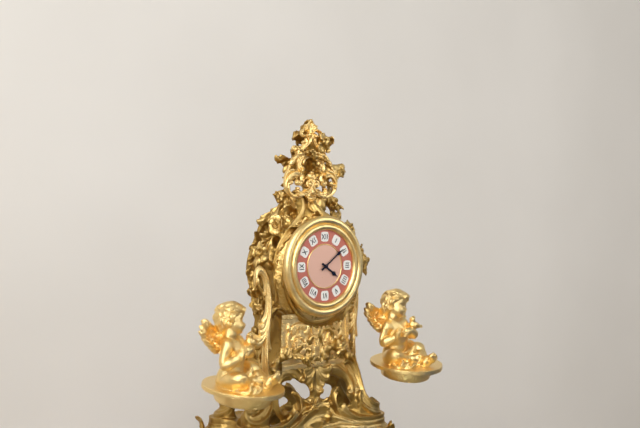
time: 4:09
